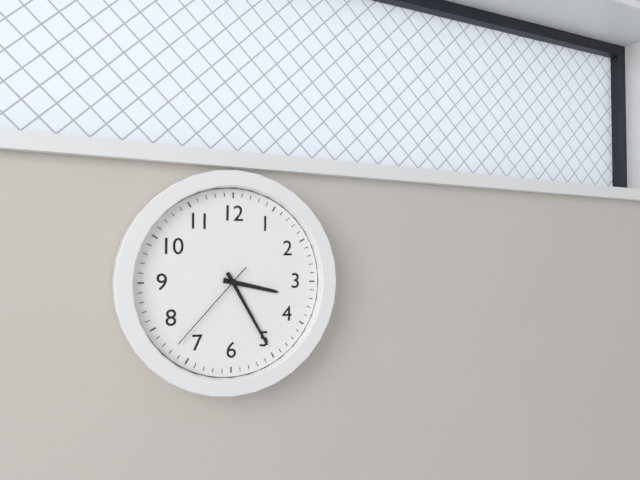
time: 3:25:37
